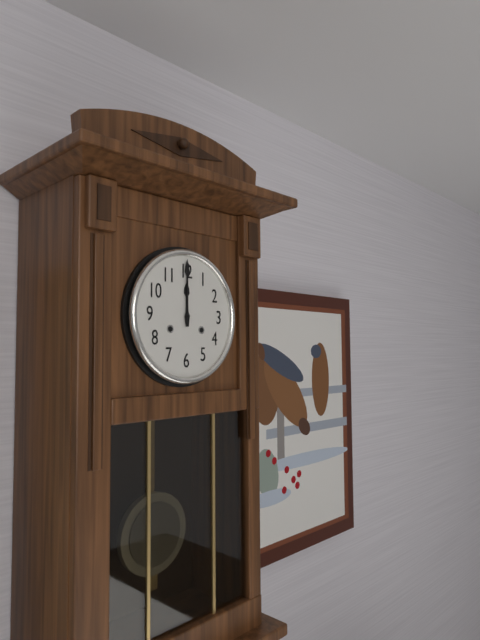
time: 12:00
